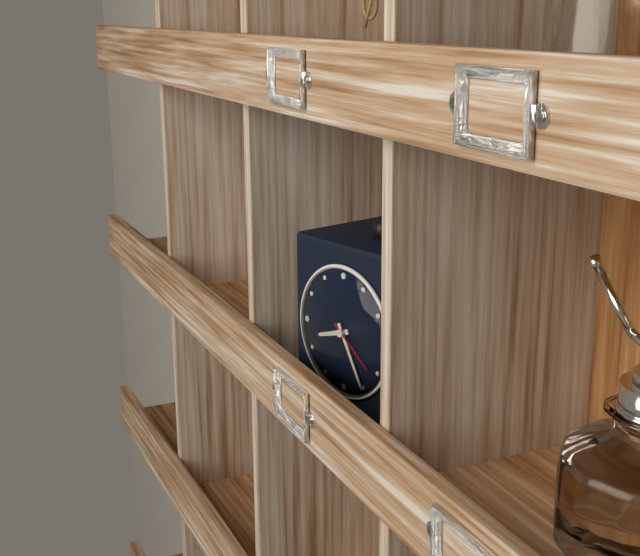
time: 8:25:21
